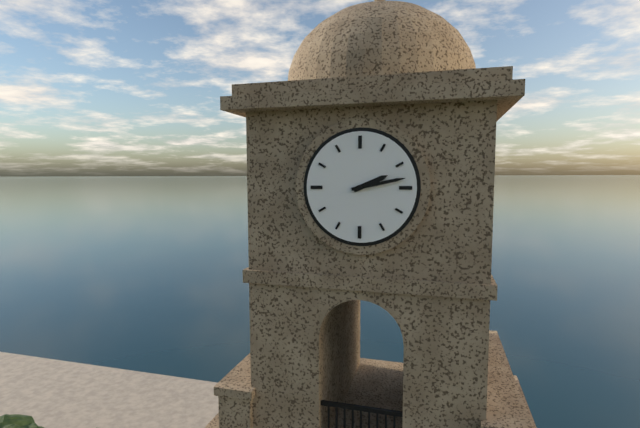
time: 2:13
